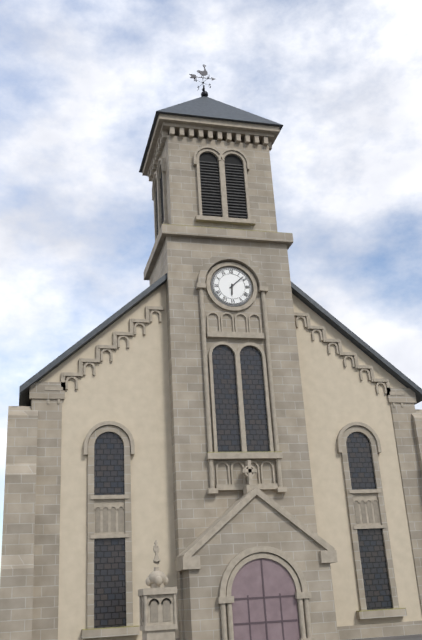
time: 6:08
